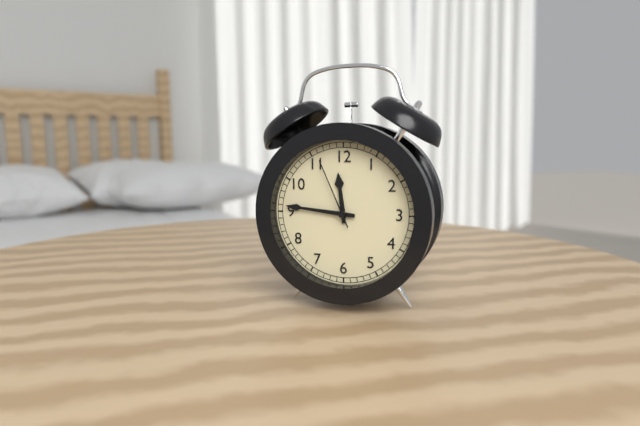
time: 11:46:56
